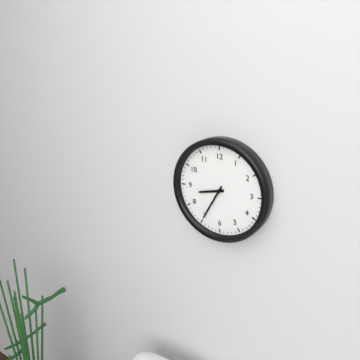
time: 8:35
